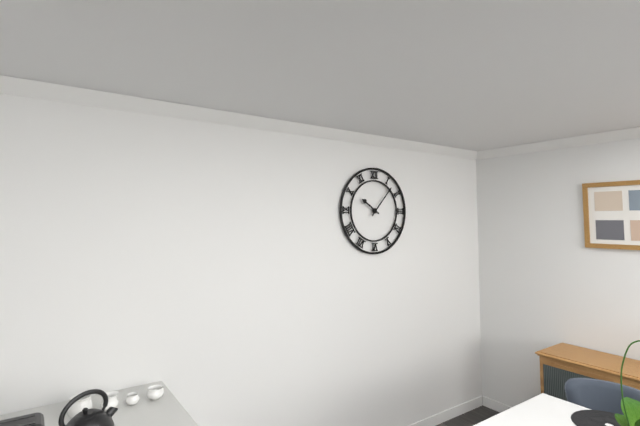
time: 10:07
